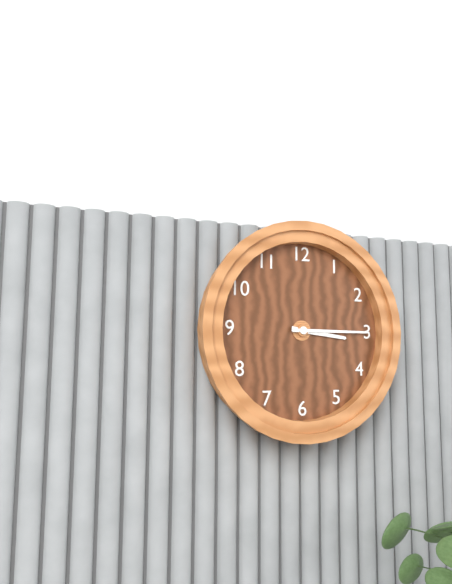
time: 3:15
